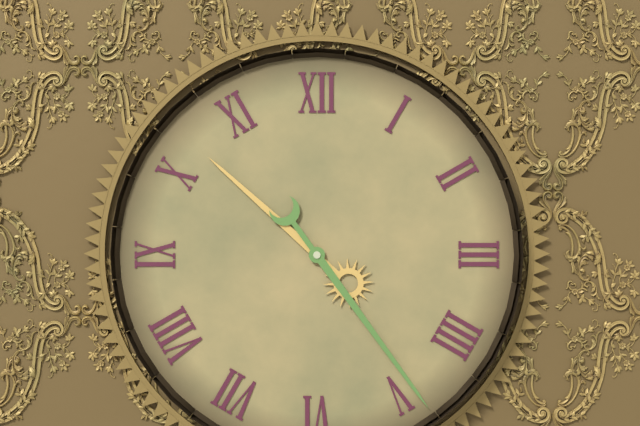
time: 10:24
